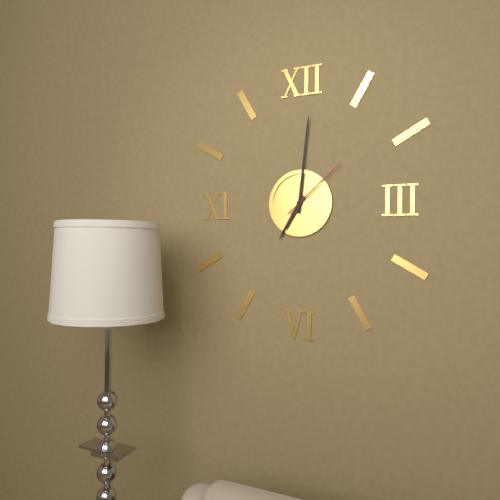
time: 7:01:08
